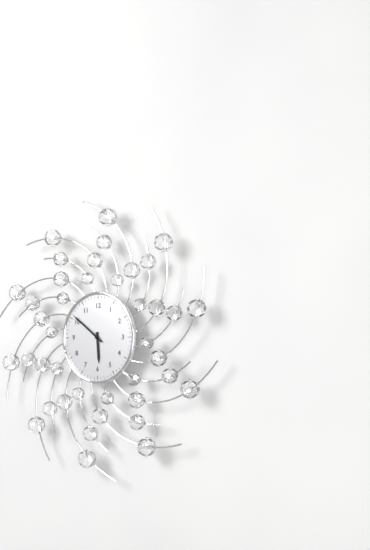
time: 5:51
